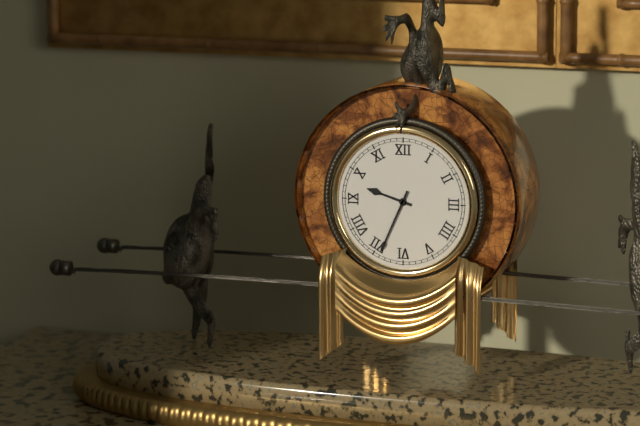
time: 9:34
